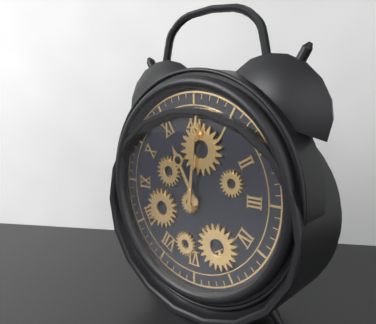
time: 11:01
